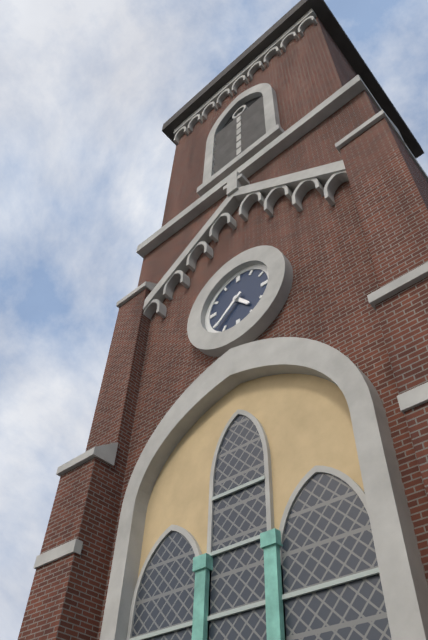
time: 4:38
